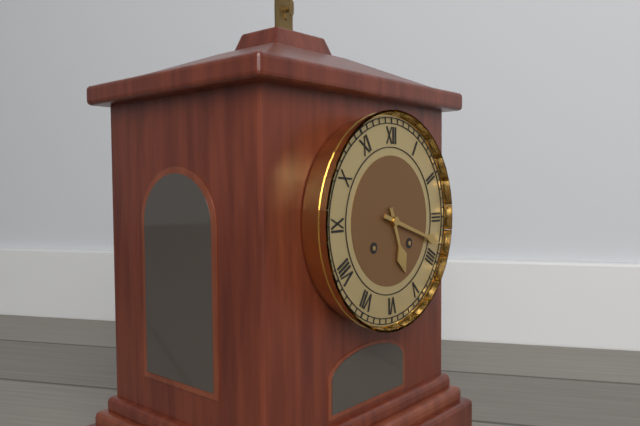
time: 5:18
